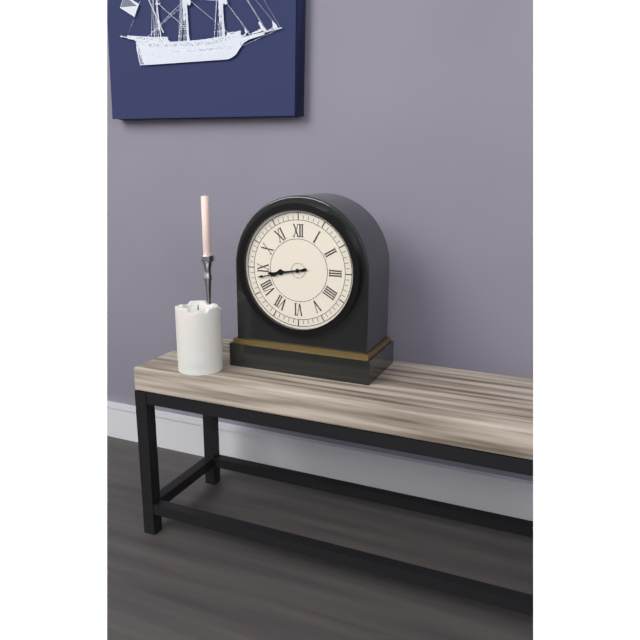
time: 8:43
